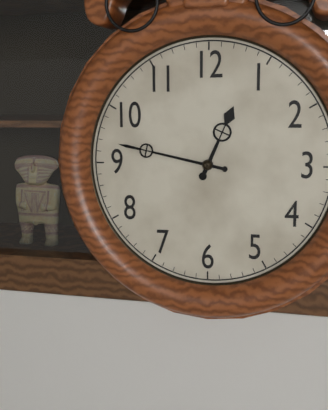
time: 12:47
